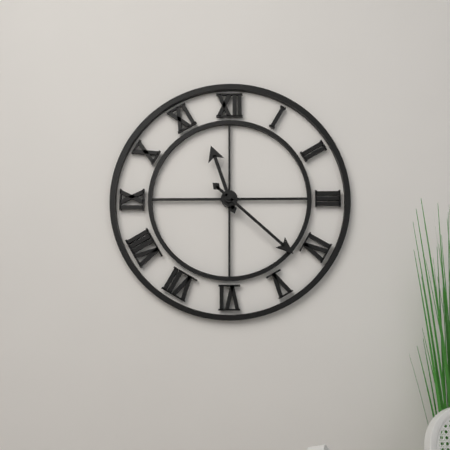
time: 11:22
